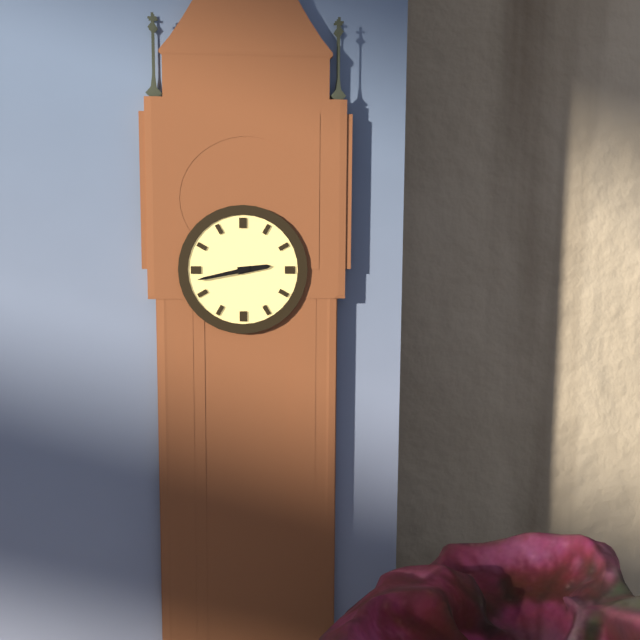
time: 2:43
